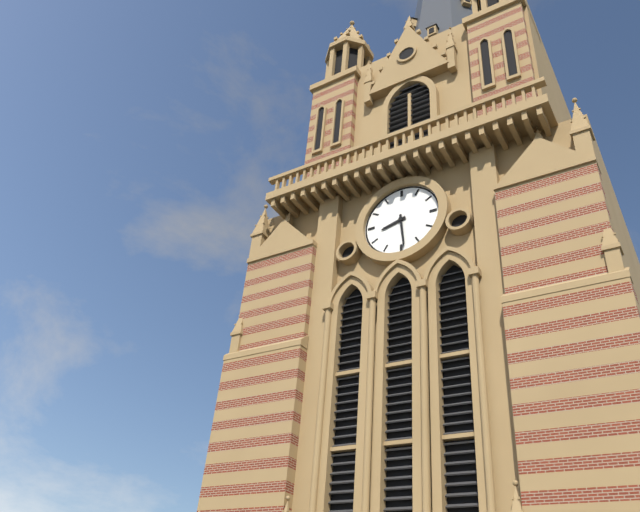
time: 8:29
